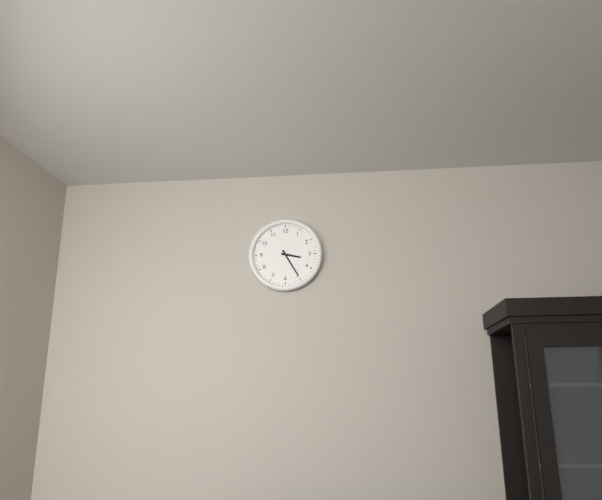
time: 3:25
